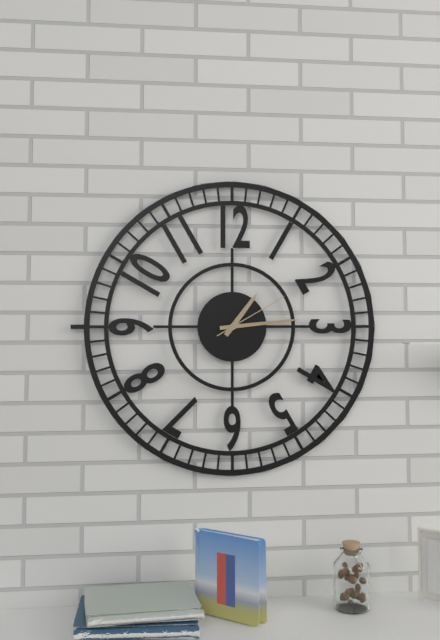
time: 1:14:10
